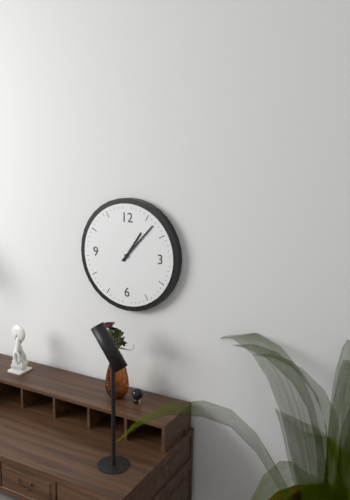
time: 1:07
